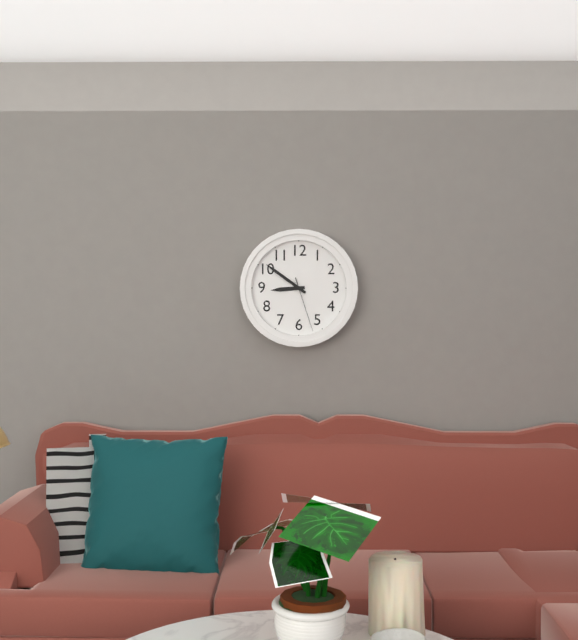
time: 8:51:27
